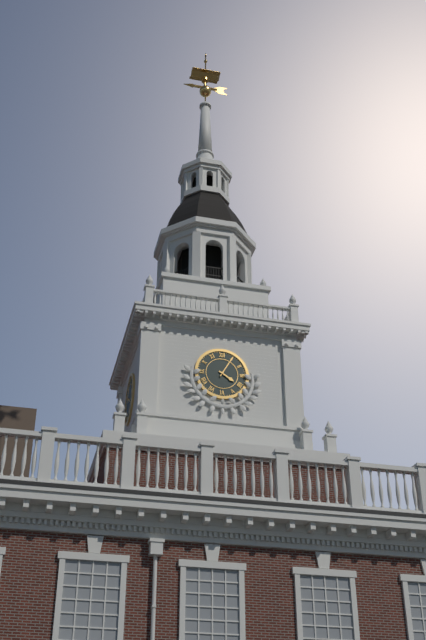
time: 4:05
